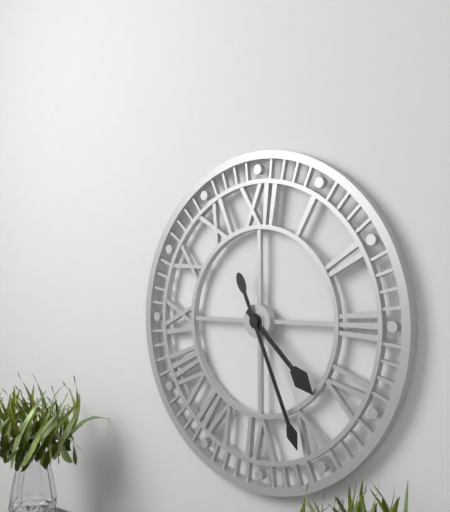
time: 4:26
